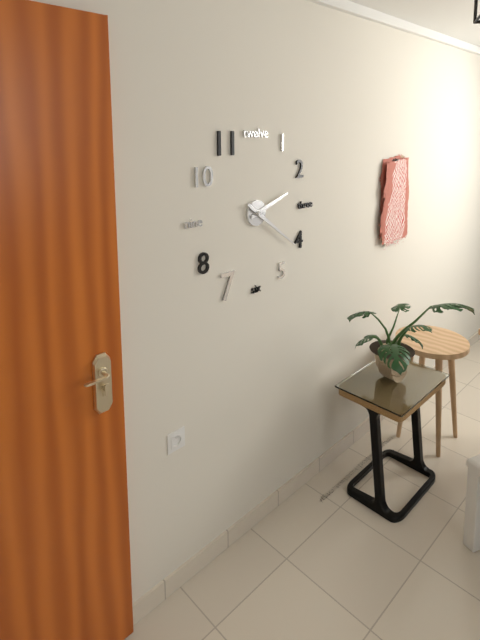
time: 2:21
